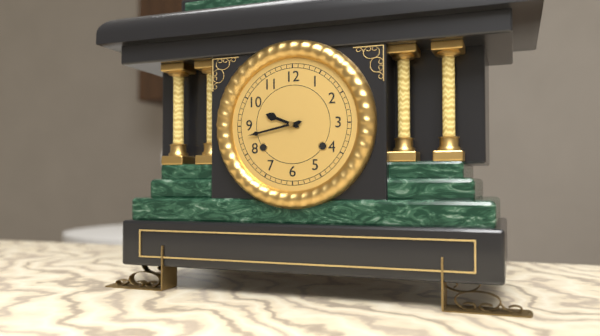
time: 9:43
